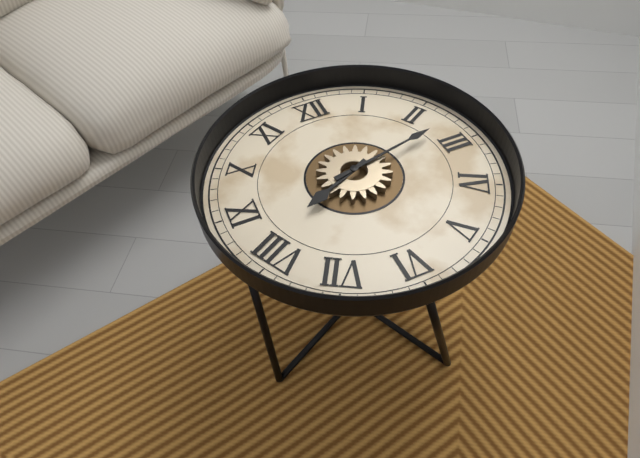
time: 8:13
